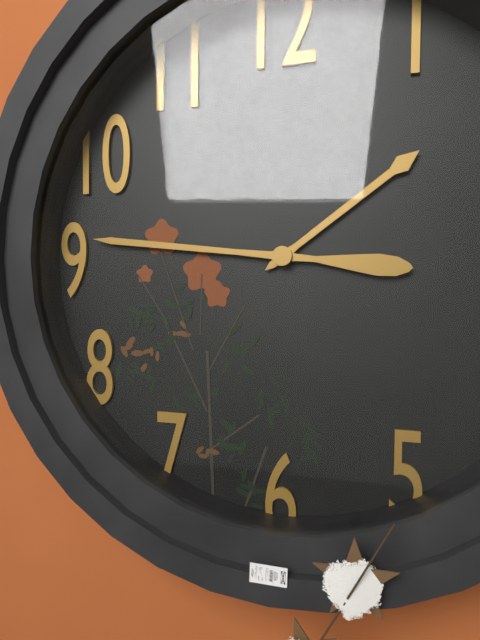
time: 1:46
